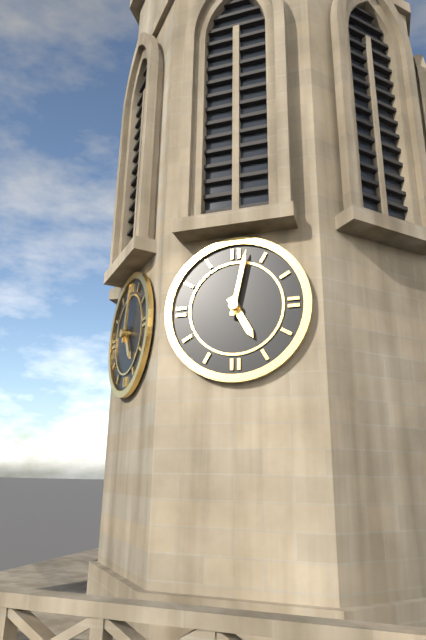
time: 5:02
